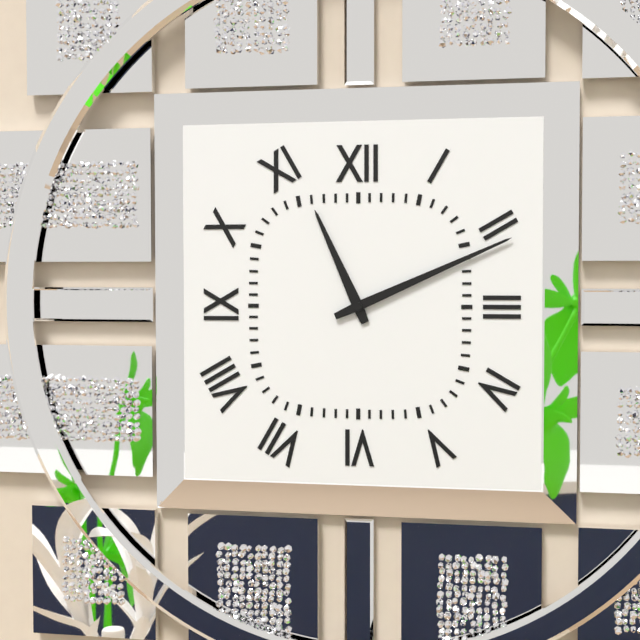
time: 11:11
